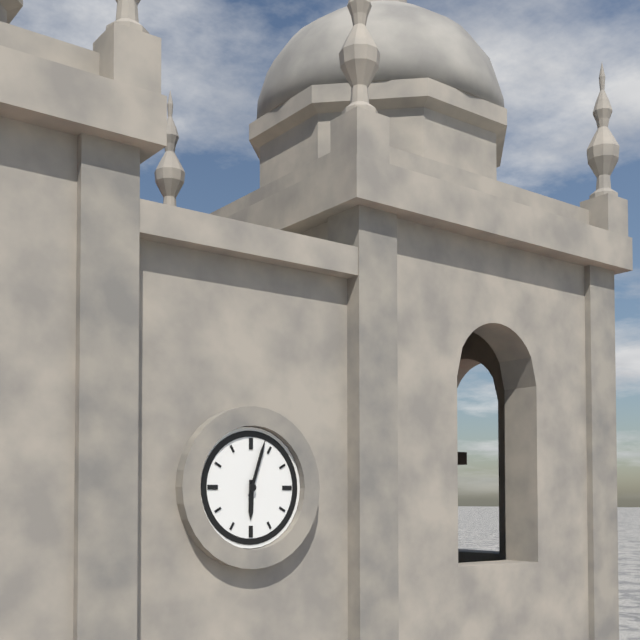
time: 6:03
